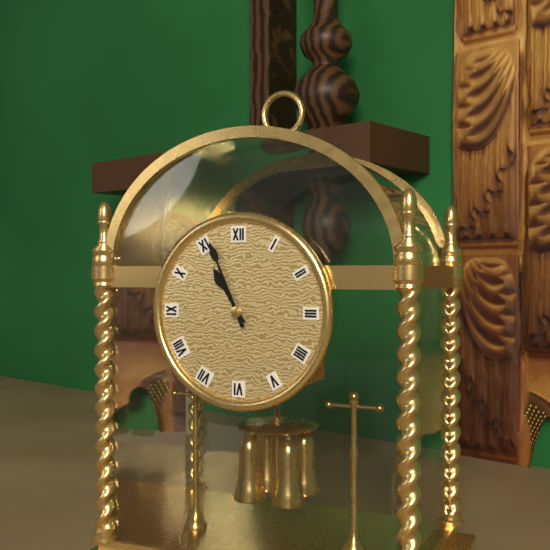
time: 10:56
